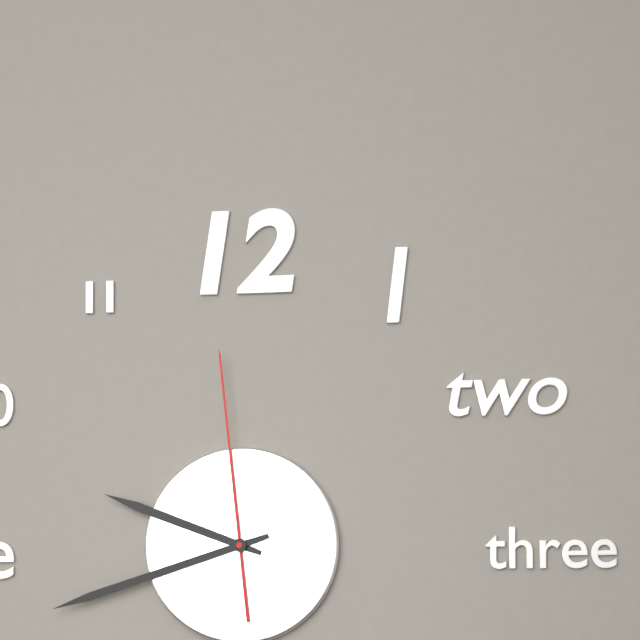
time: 9:42:59
